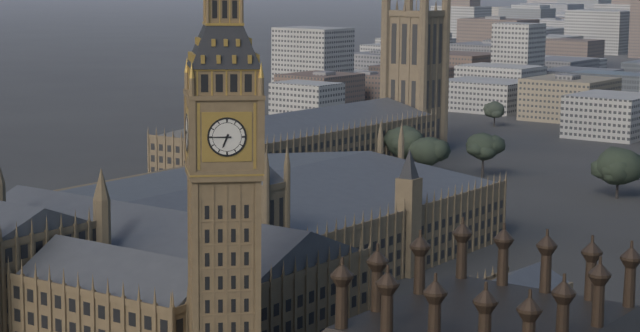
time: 6:45
